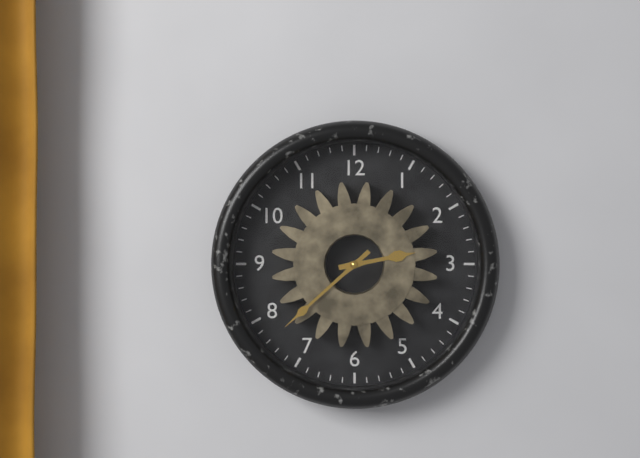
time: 2:38
